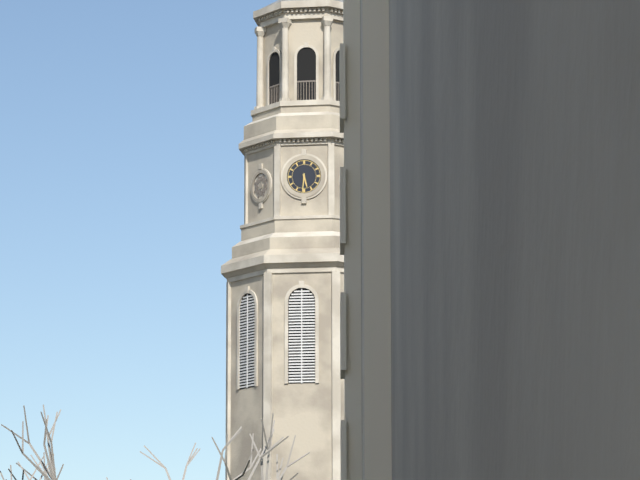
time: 5:31
